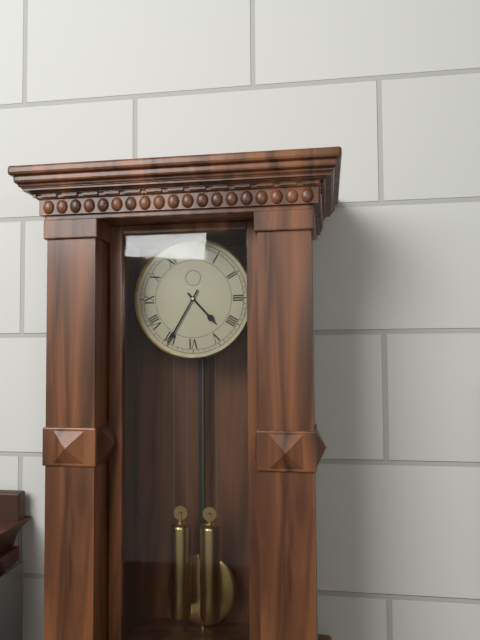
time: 4:35
